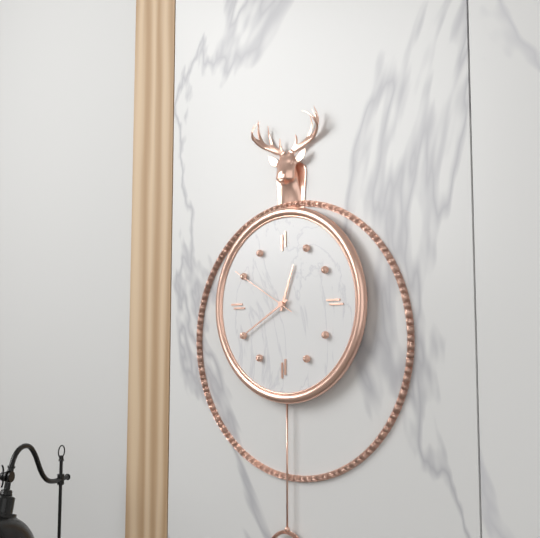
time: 12:40:50
